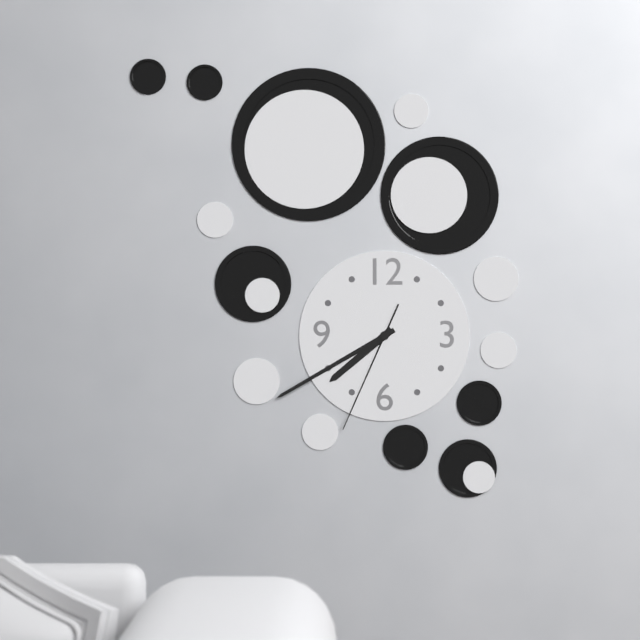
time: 7:40:34
